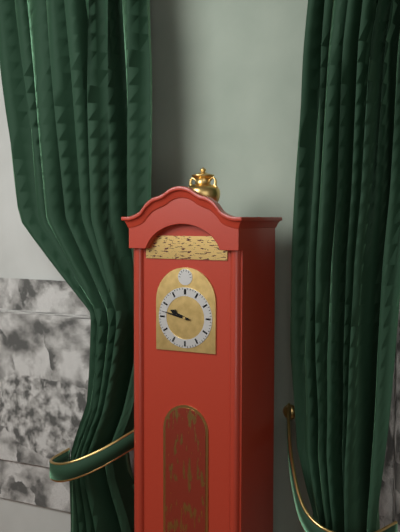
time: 9:47
